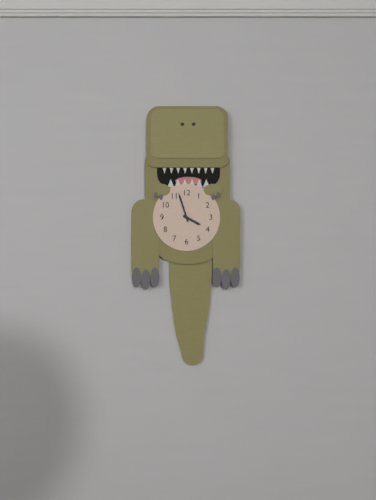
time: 3:57
